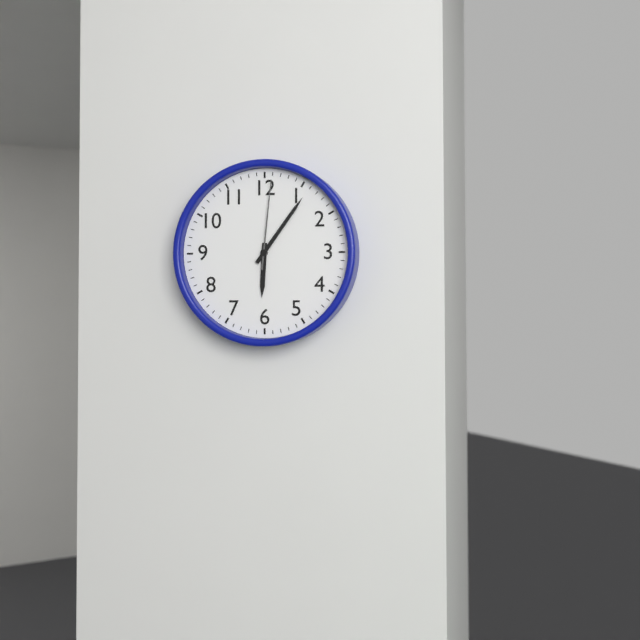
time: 6:06:01
